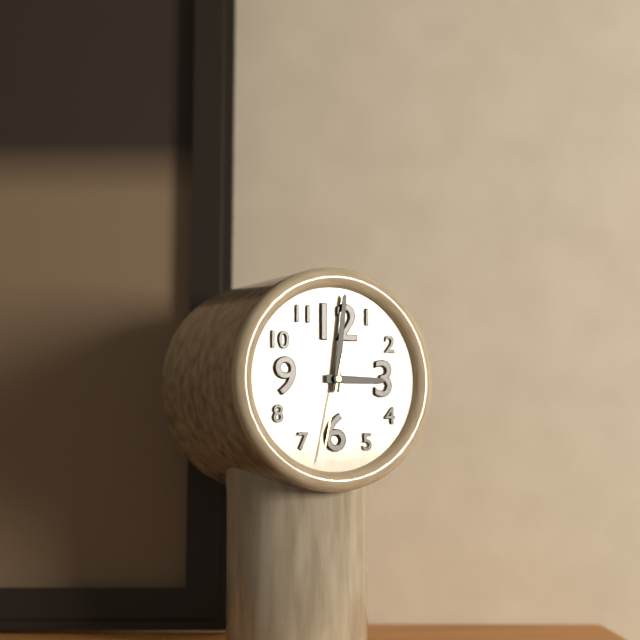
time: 3:01:32
